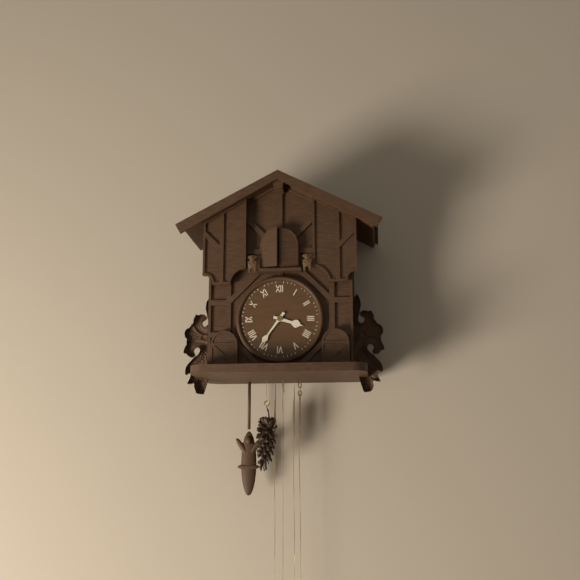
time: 3:36
